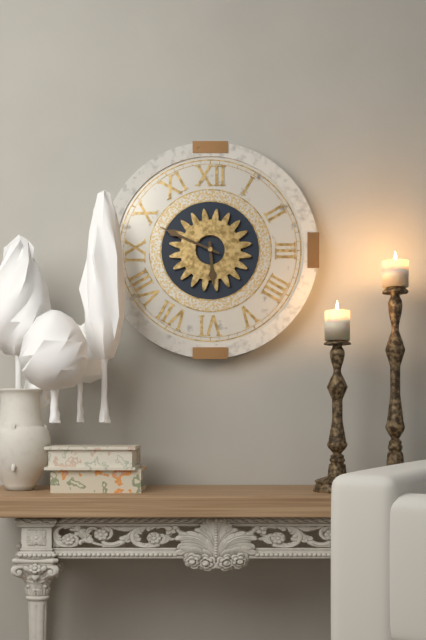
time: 5:49
